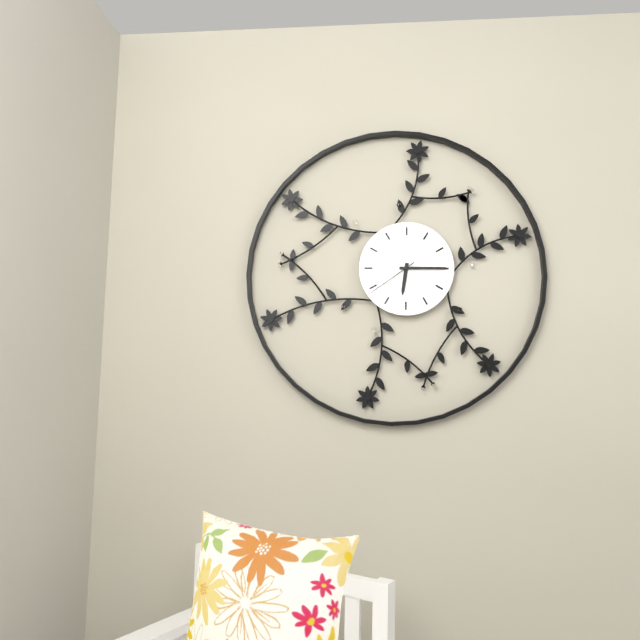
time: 6:15:39
